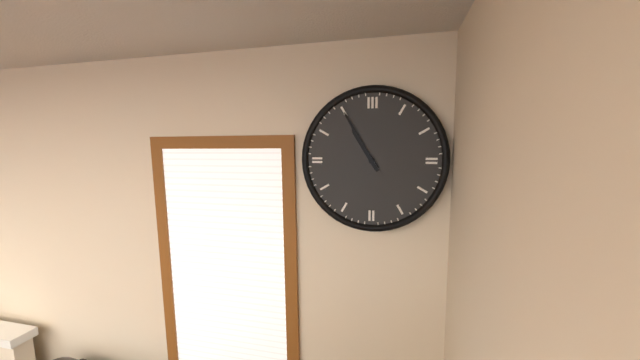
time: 10:55
